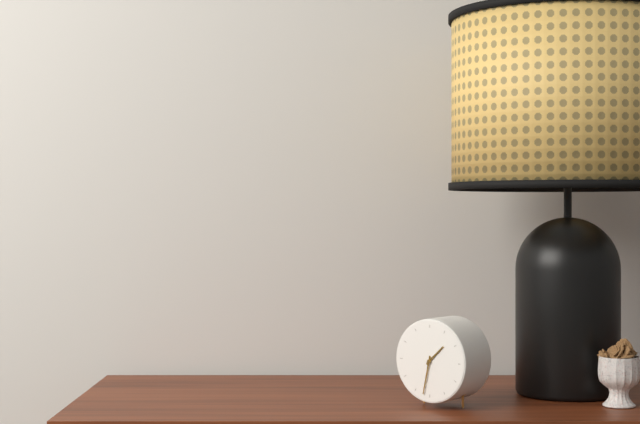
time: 1:32
